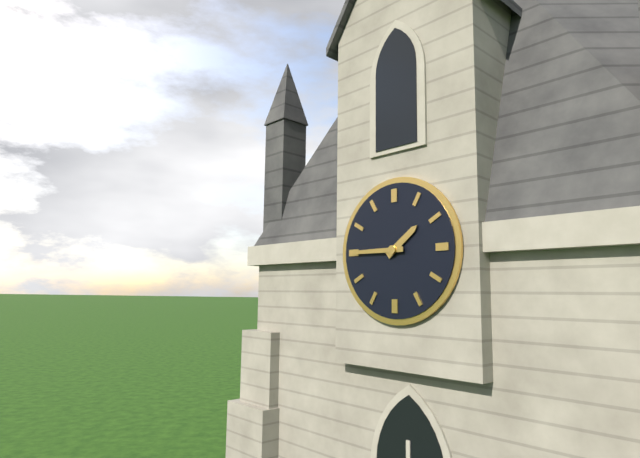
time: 1:45
